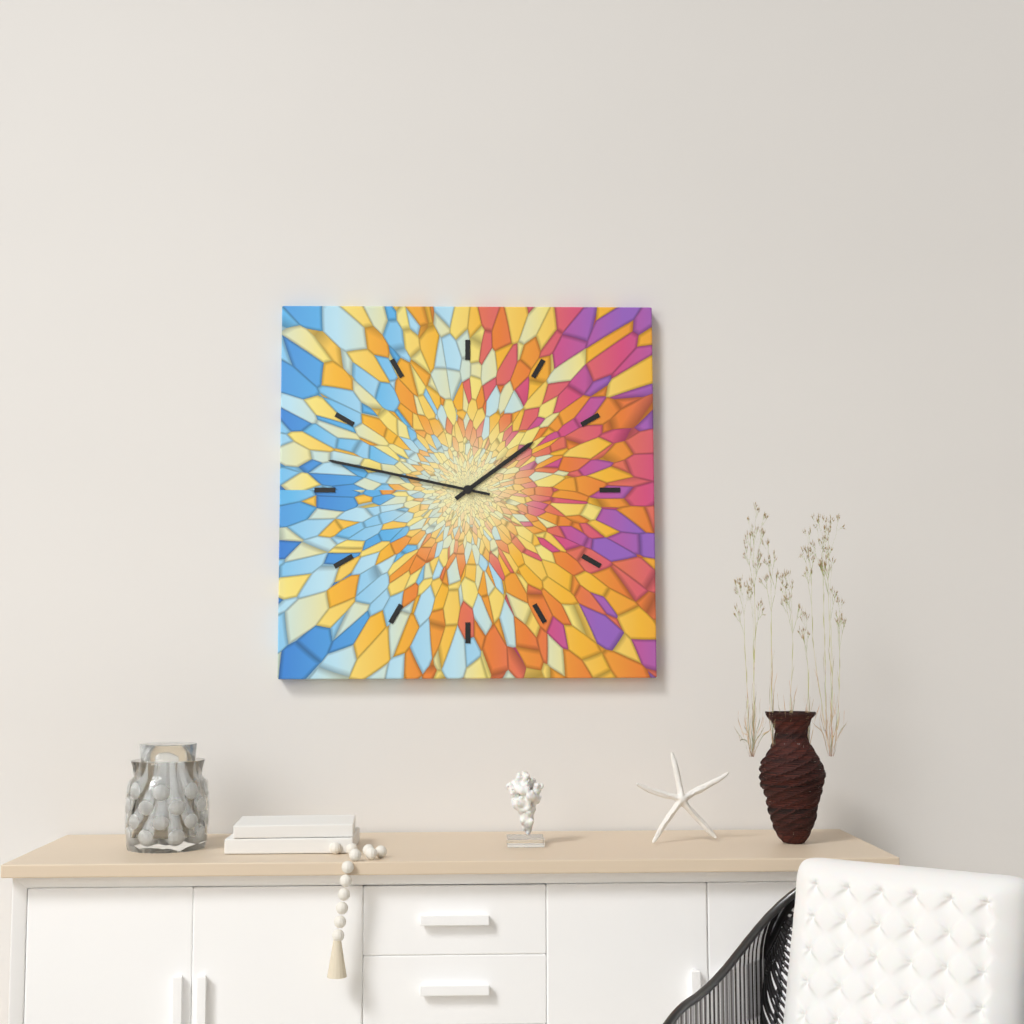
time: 1:47
